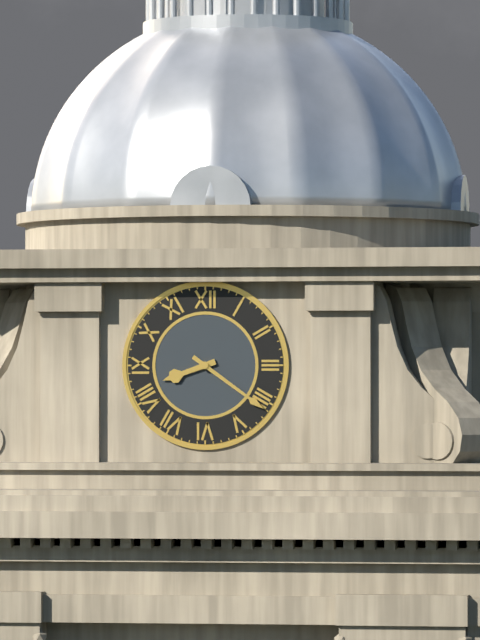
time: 8:21
